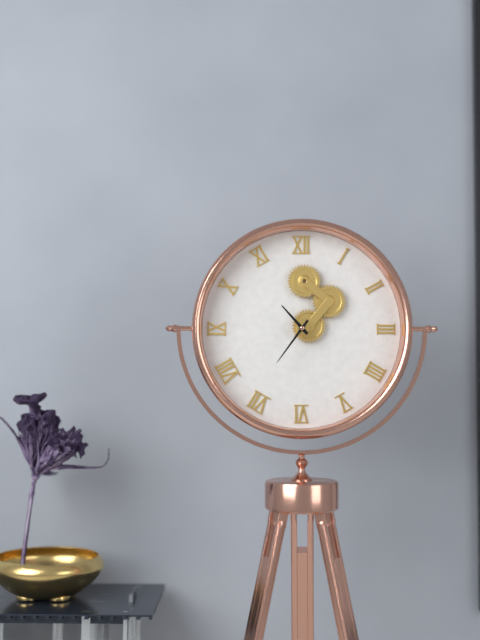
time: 10:36
